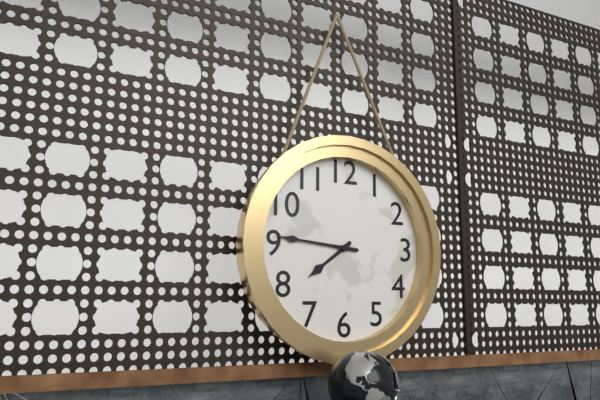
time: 7:46
